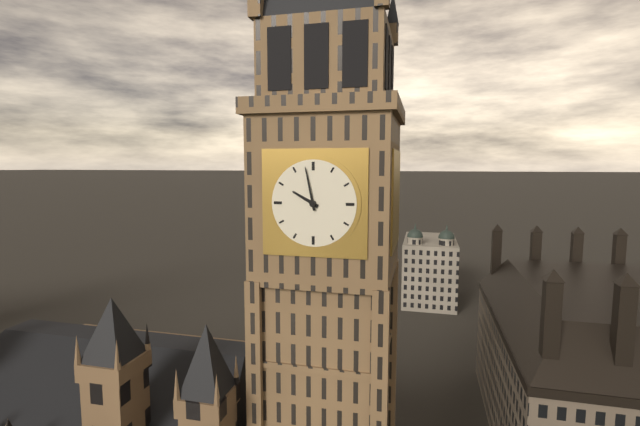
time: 9:58
